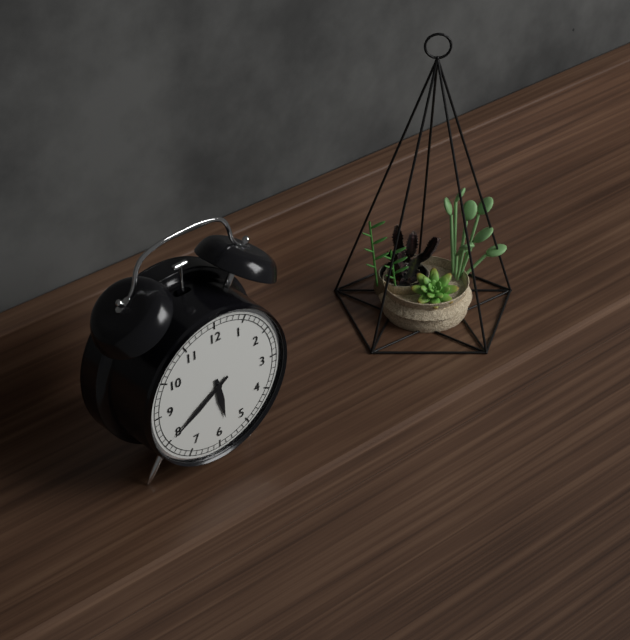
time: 5:40
